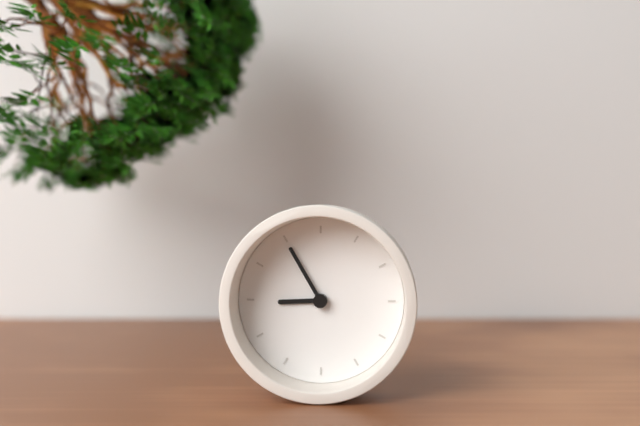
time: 8:55
